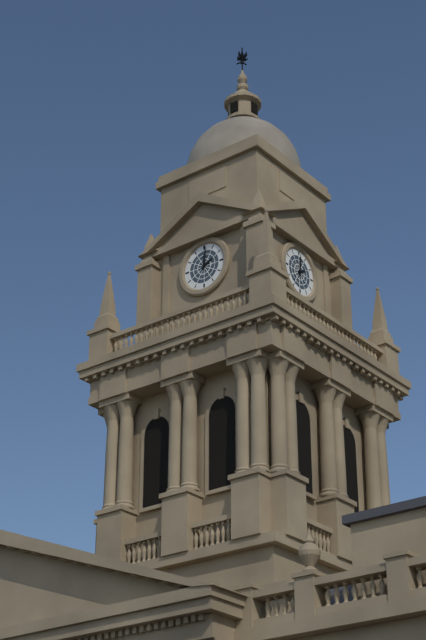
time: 2:01
